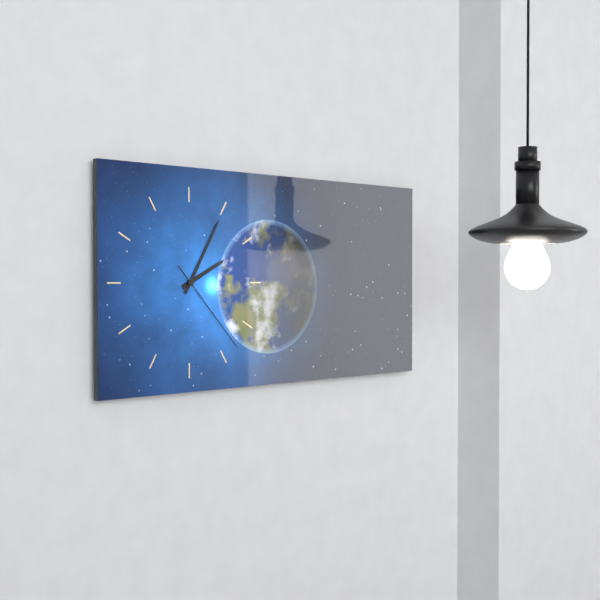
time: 2:05:23
